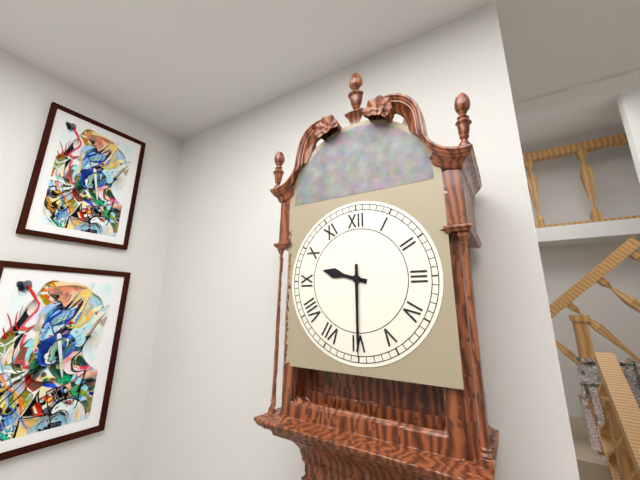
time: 9:30
